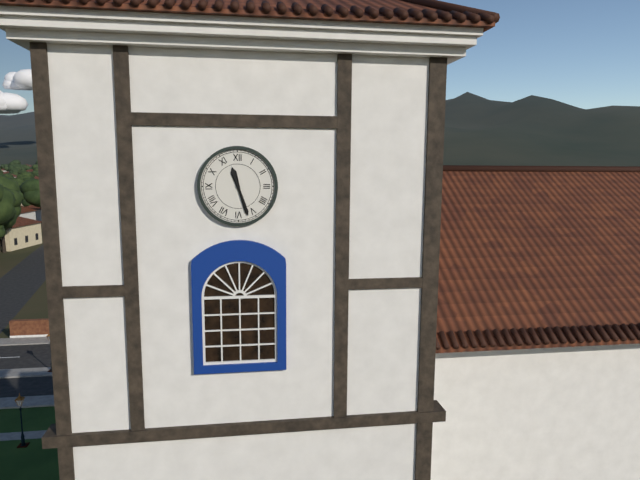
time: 11:27
